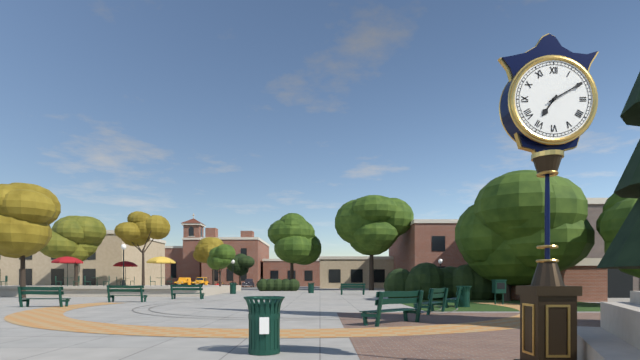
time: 7:10
